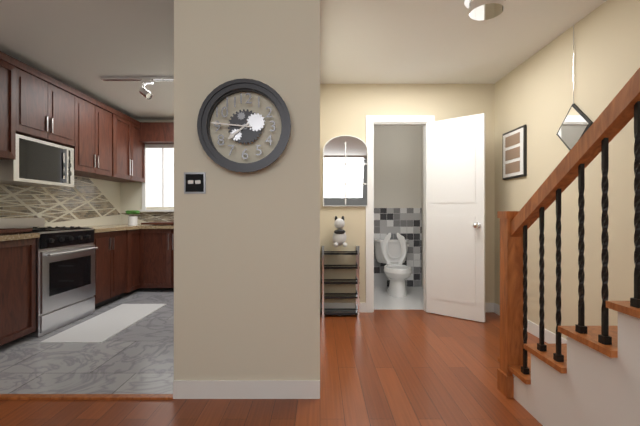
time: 7:46
